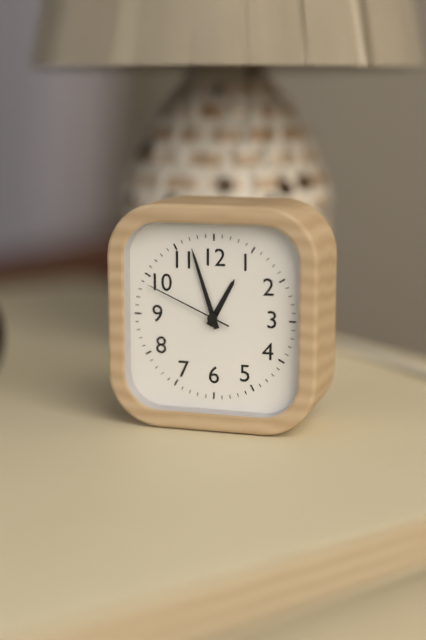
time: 12:57:49
